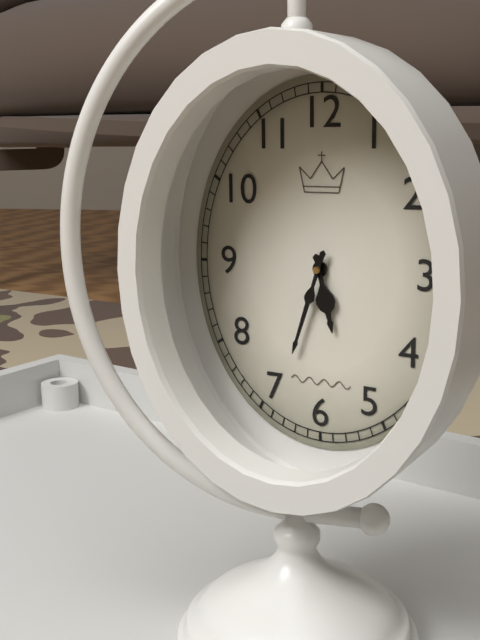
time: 5:33
